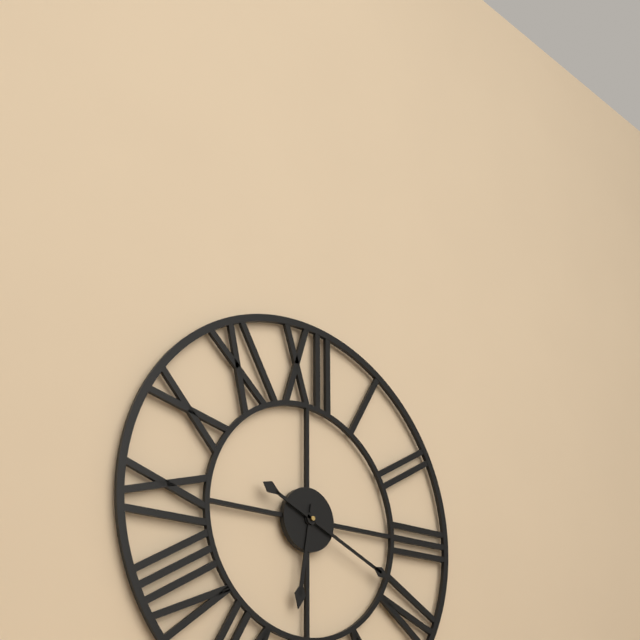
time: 6:19
